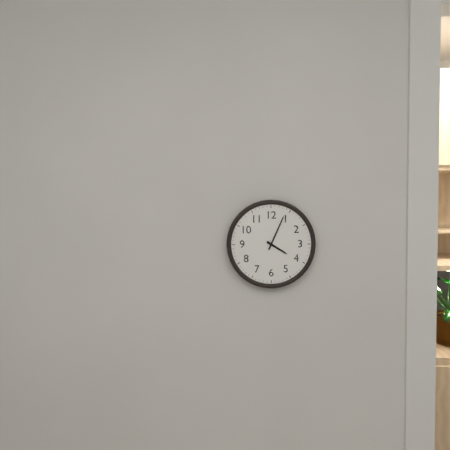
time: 4:04
